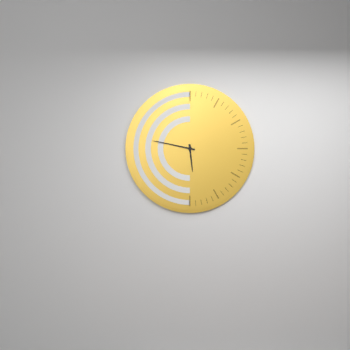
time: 5:47
